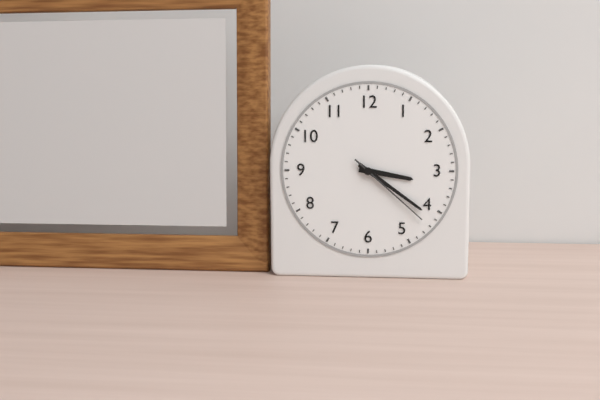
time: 3:21:22
